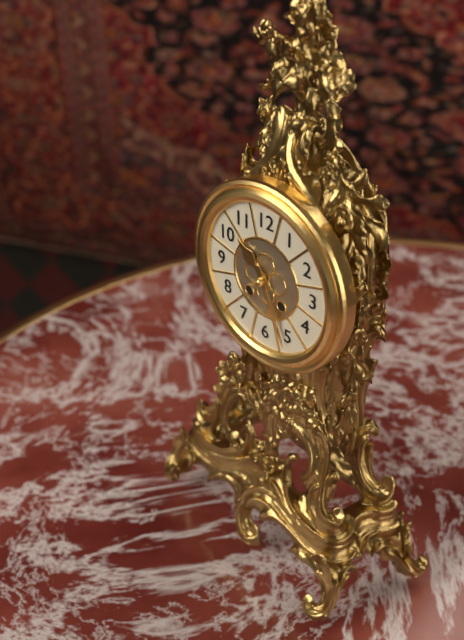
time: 10:26
